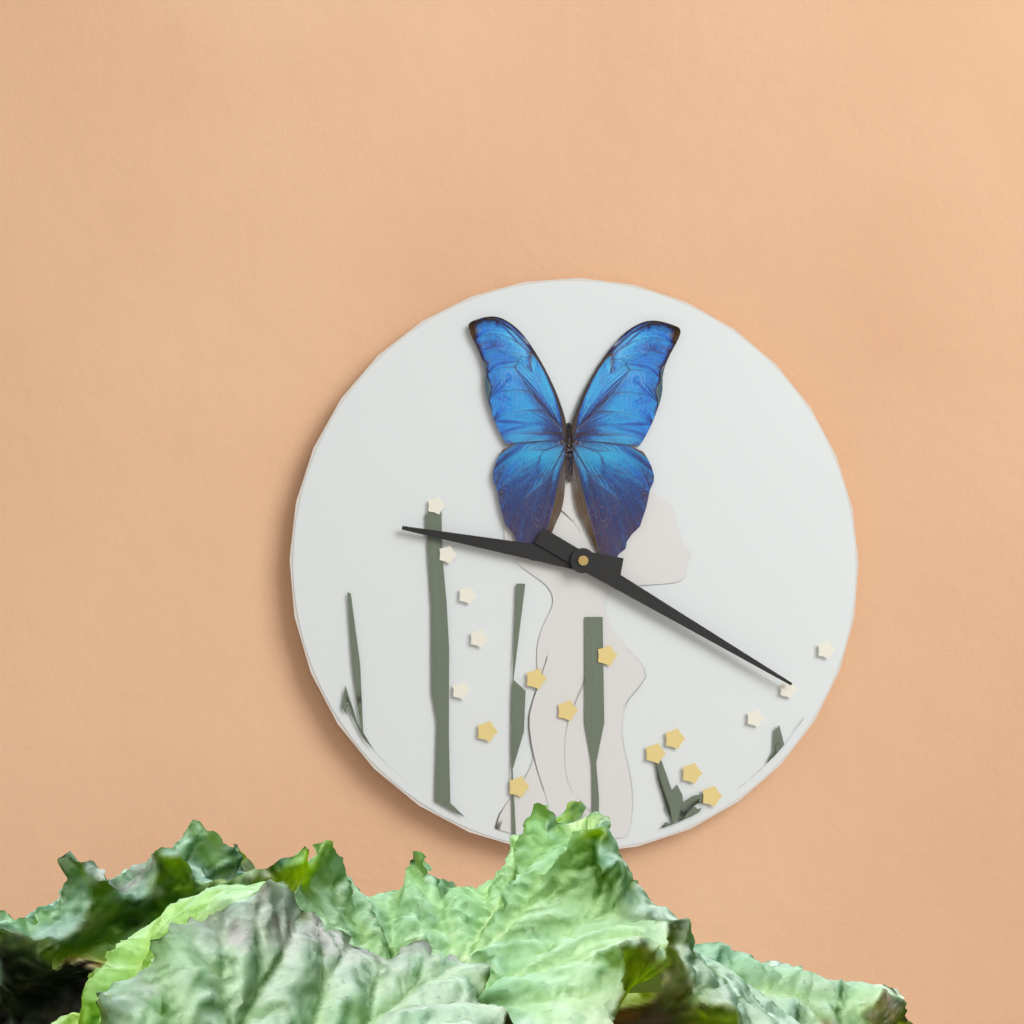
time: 9:20
